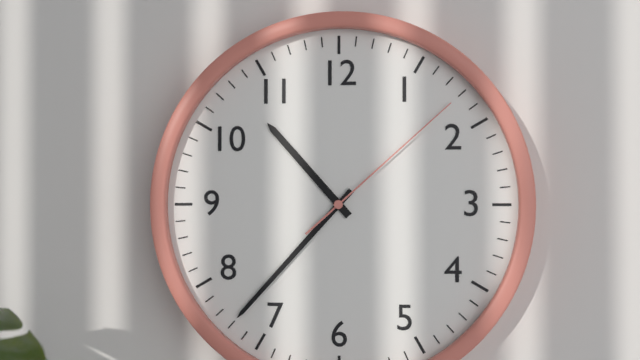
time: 10:37:08
